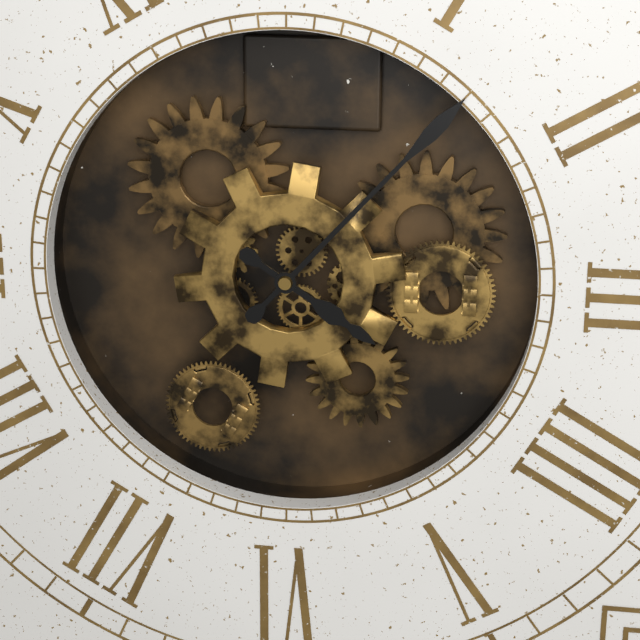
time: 4:07
